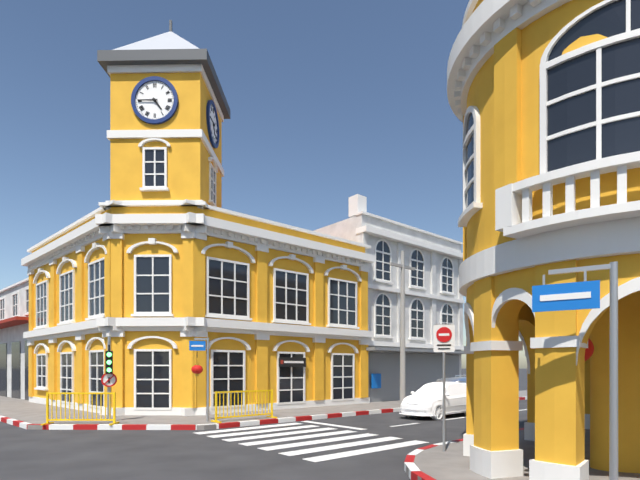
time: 4:45
